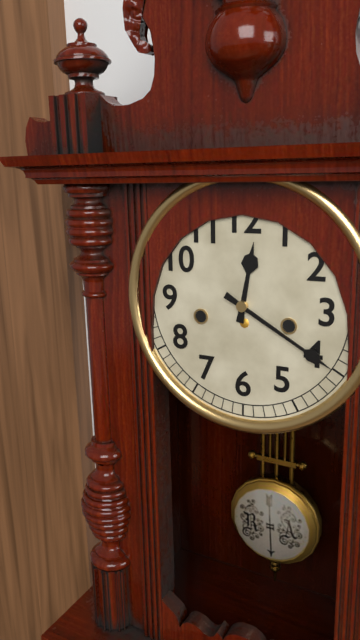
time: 12:20
